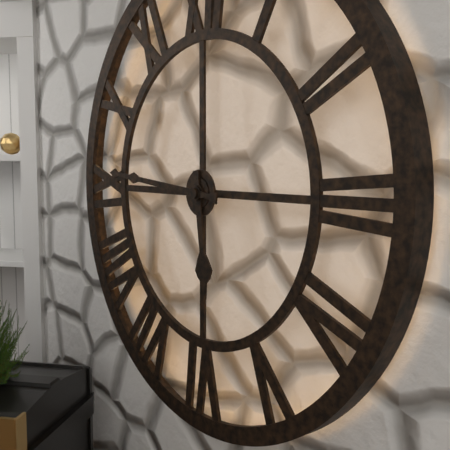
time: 5:46
